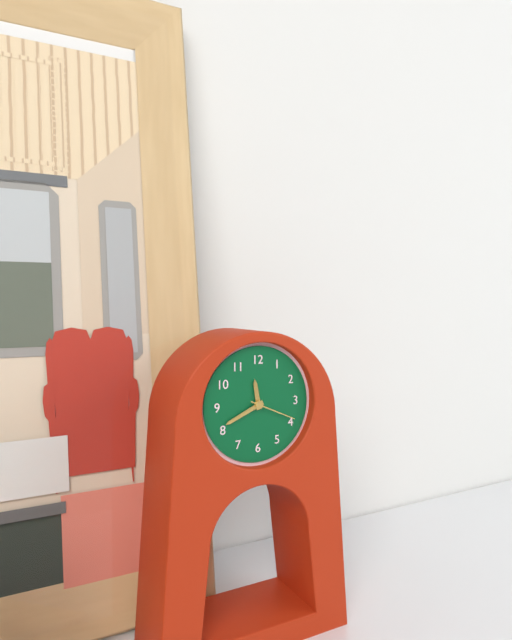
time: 11:41
